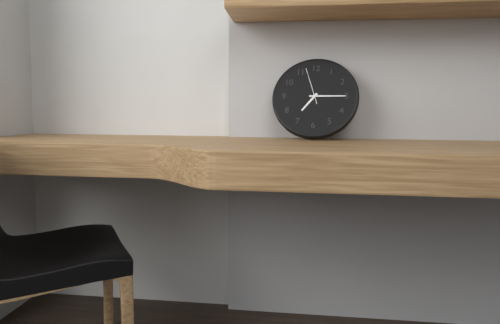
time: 7:15
